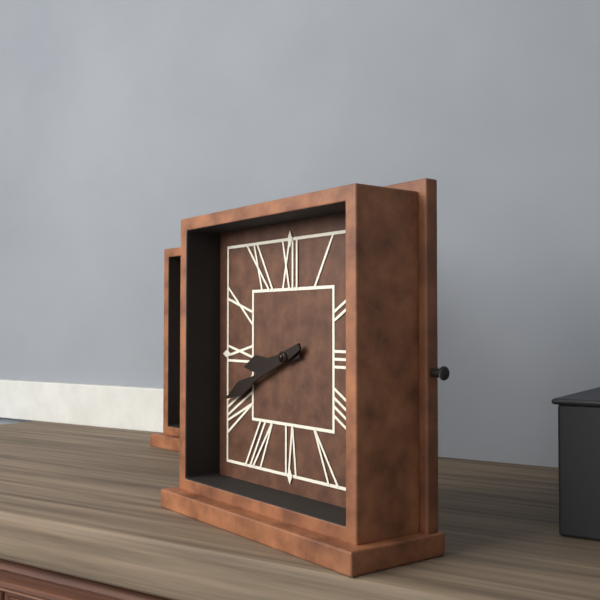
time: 8:41
